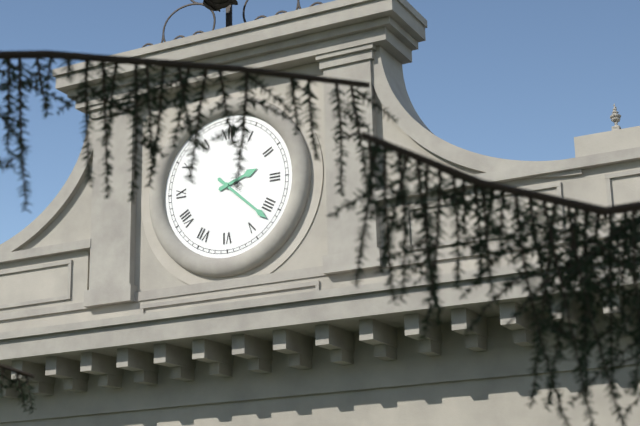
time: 2:22
